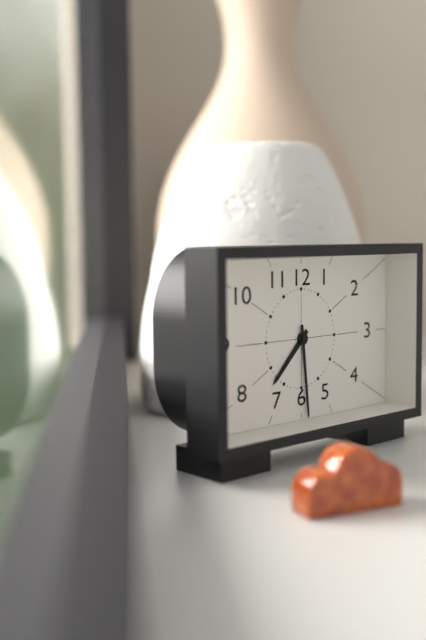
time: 7:29
